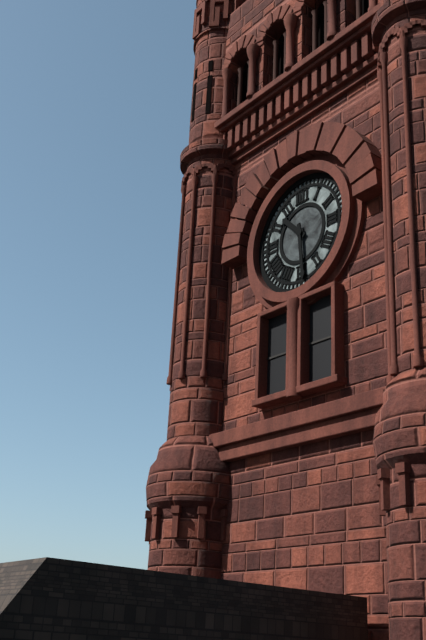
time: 10:29
